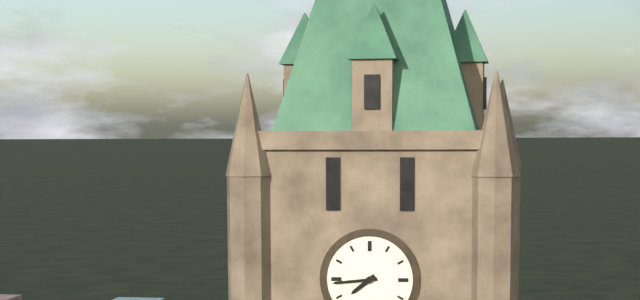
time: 7:44
